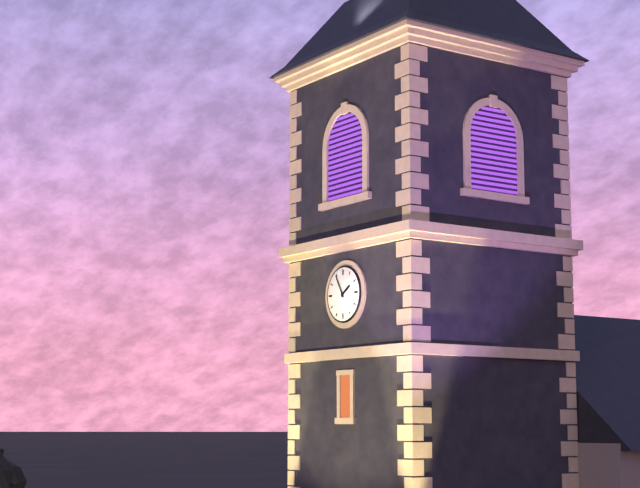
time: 1:55
